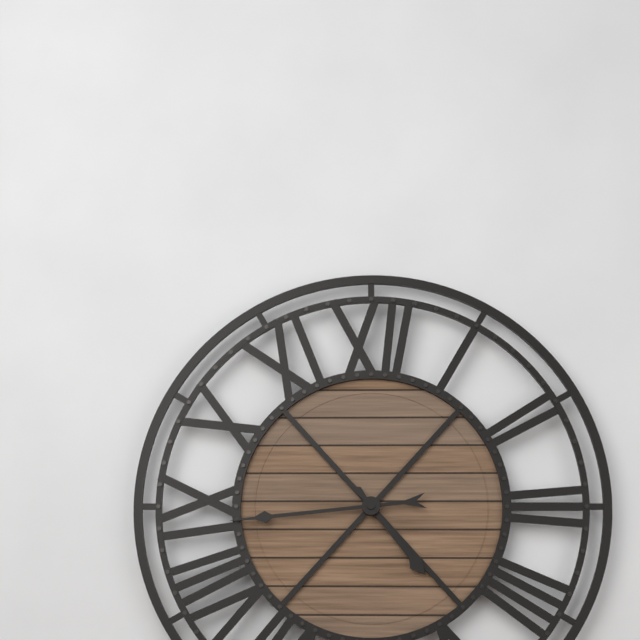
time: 4:44
